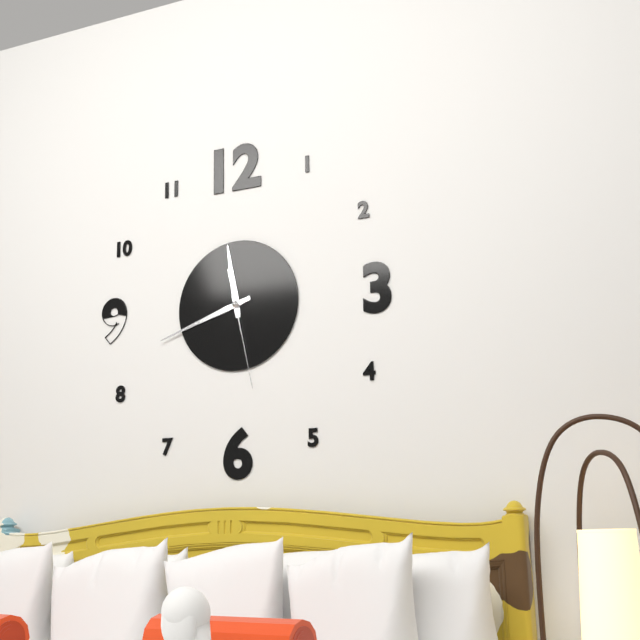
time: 11:42:28
